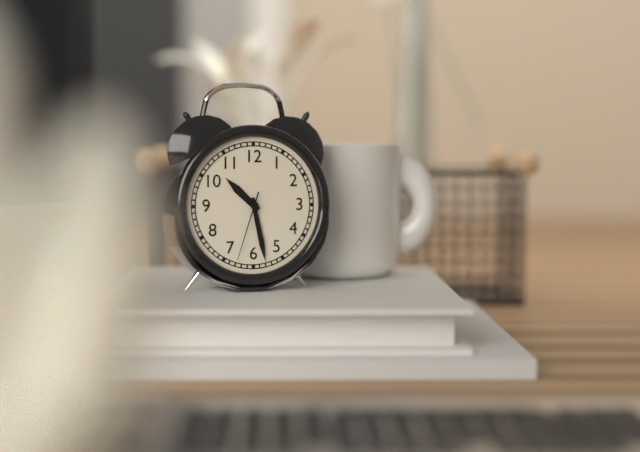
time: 10:28:33
